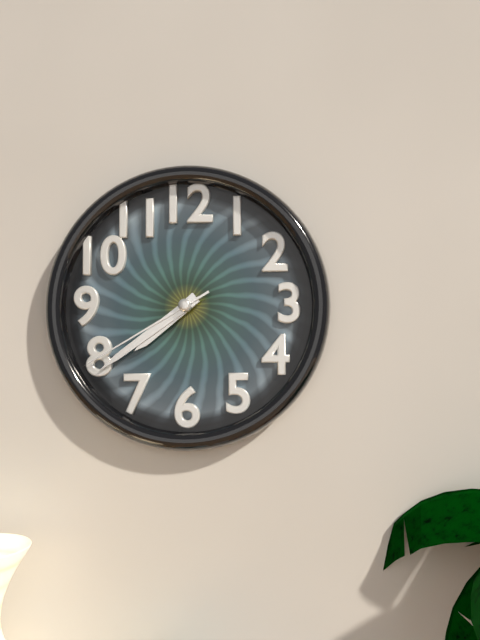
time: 7:39:40
